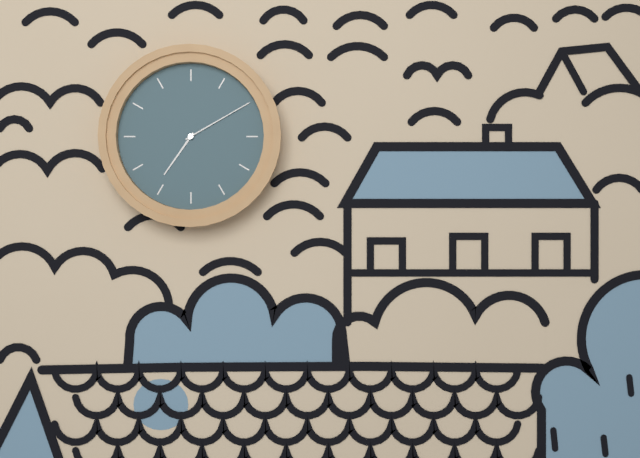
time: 7:10
